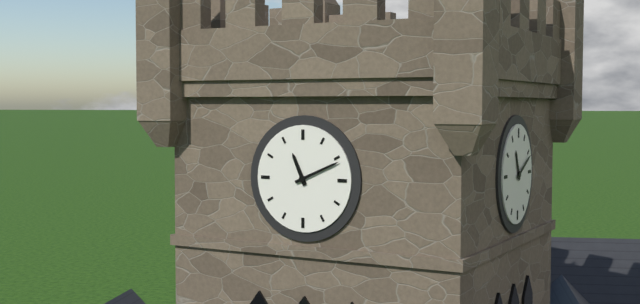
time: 11:11
